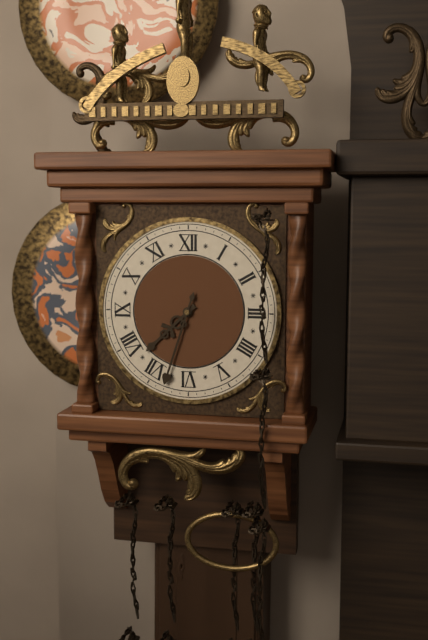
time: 7:33
